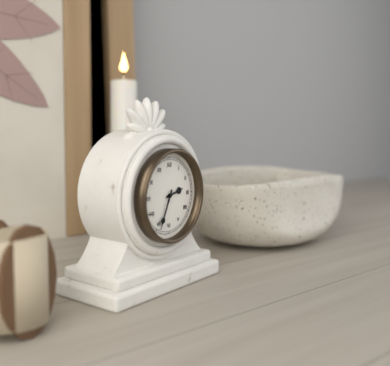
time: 2:34
